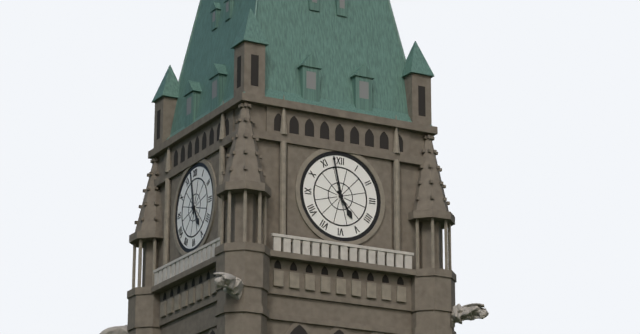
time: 4:58
